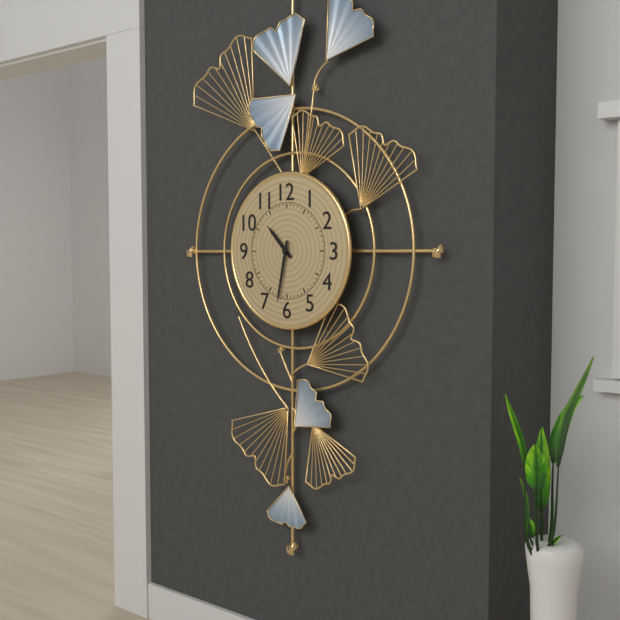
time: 10:32
